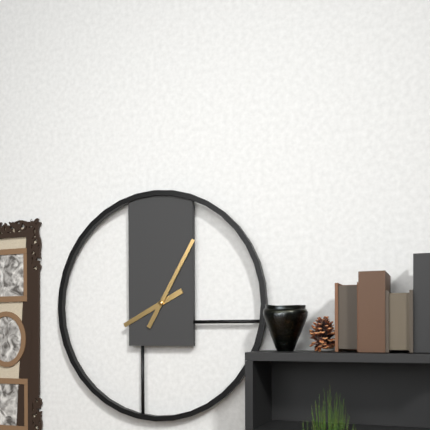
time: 8:05
